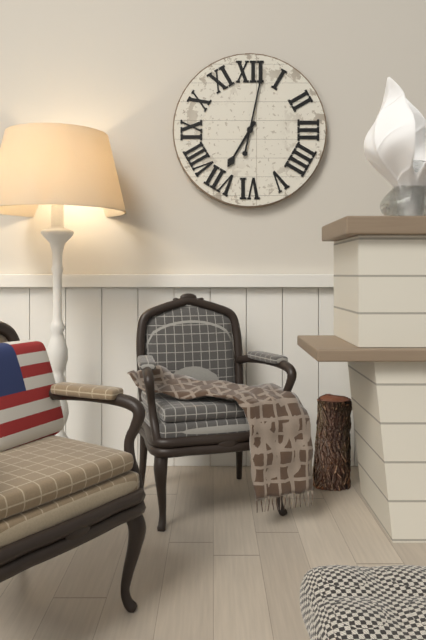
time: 7:02
